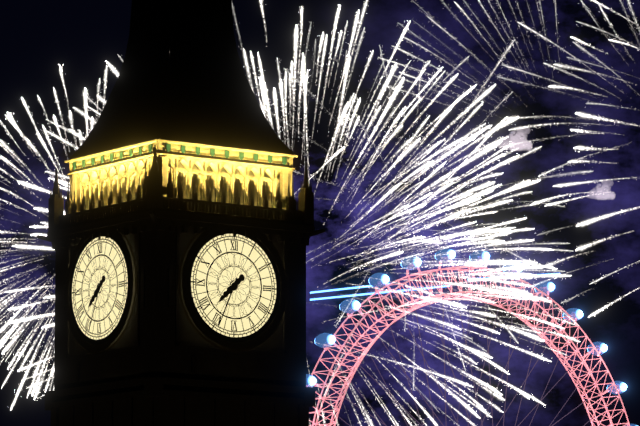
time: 7:34
